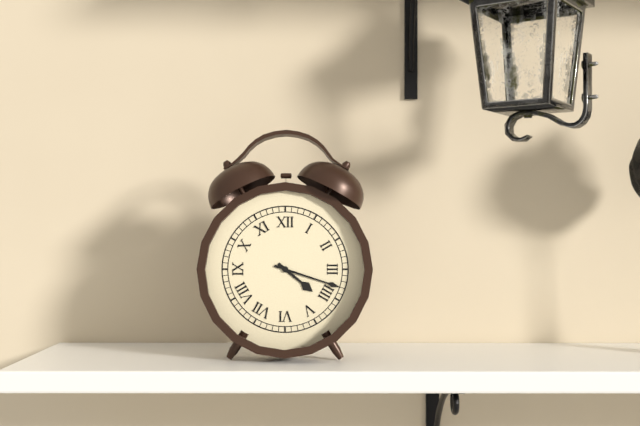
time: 4:18
